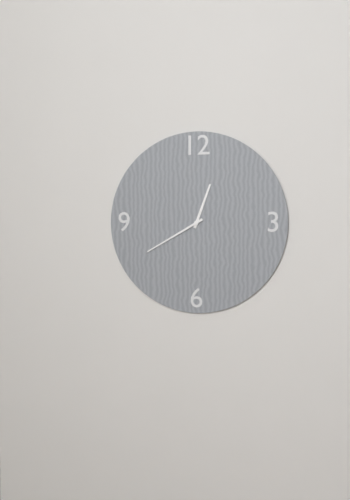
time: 12:40
